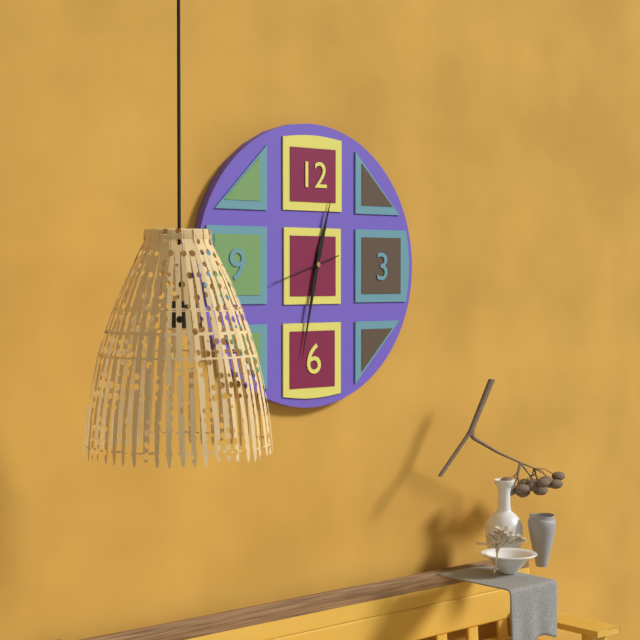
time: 12:32:42
